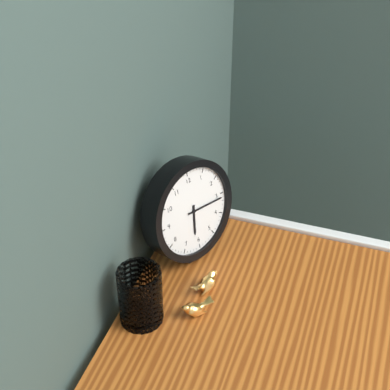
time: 6:16
